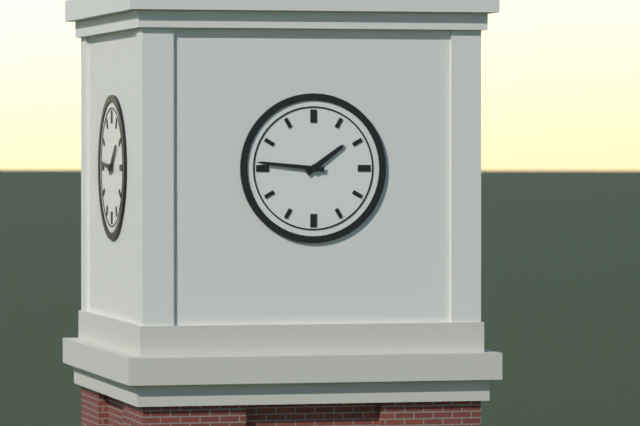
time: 1:46
